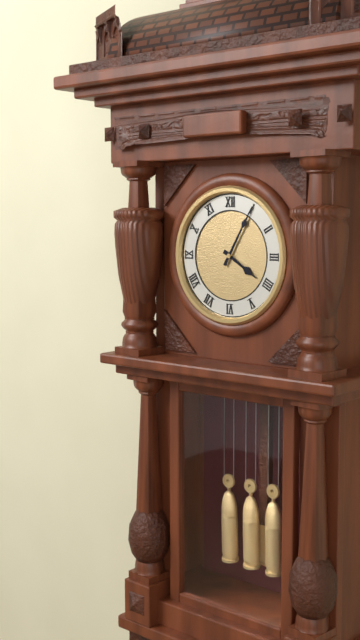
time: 4:05
